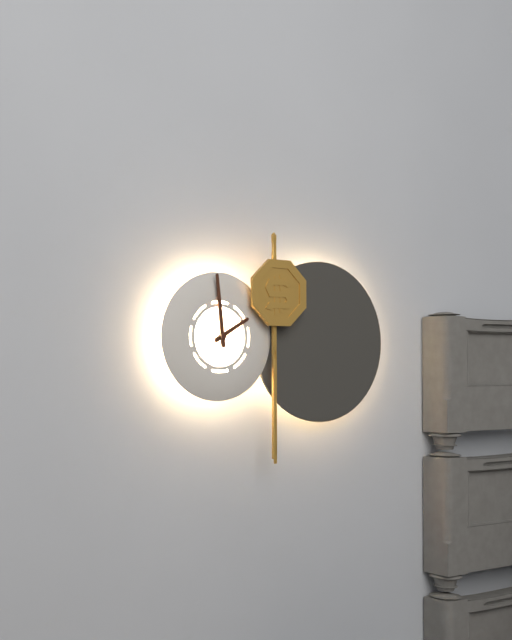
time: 1:59
